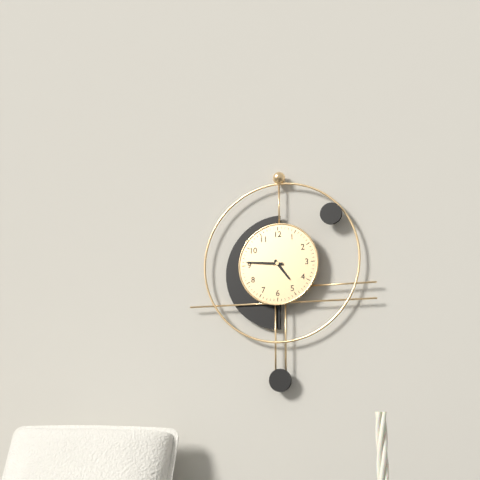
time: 4:46
